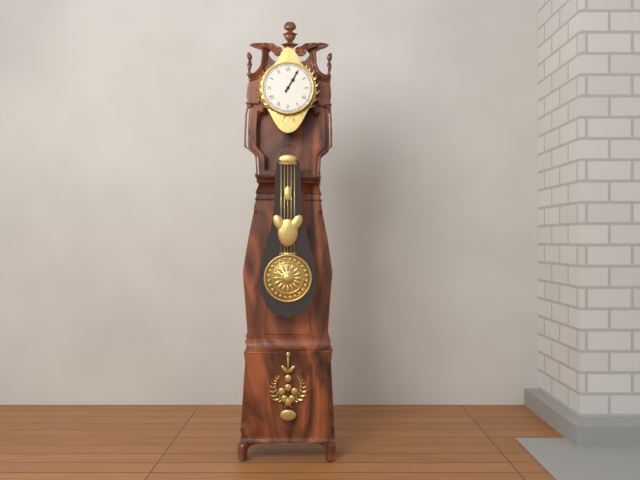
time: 1:05
